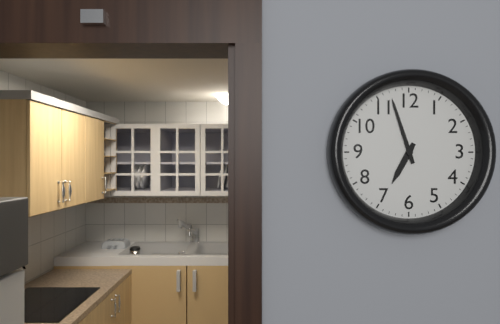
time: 6:57
